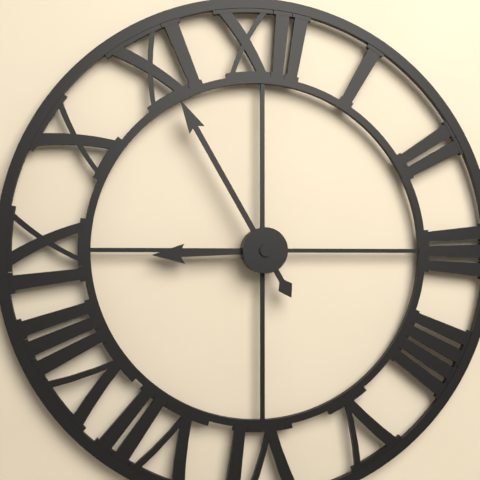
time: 8:55
